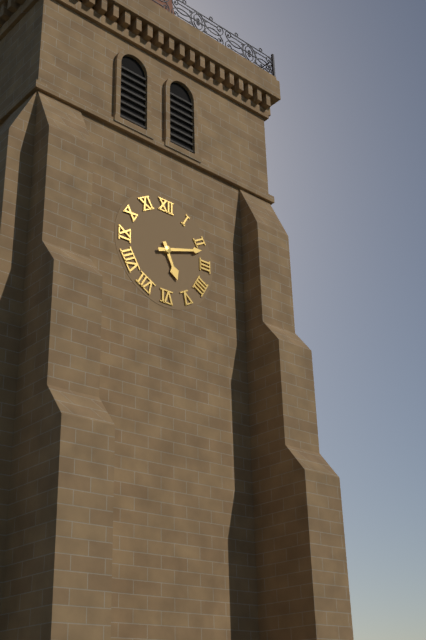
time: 5:12
